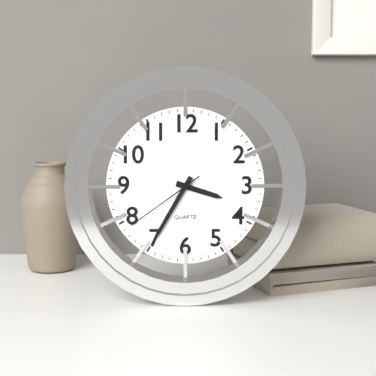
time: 3:35:39
